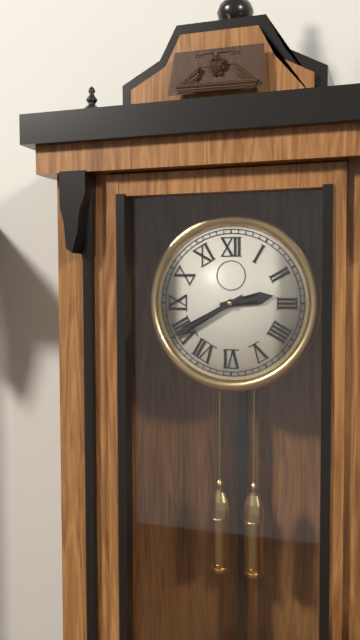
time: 2:40
